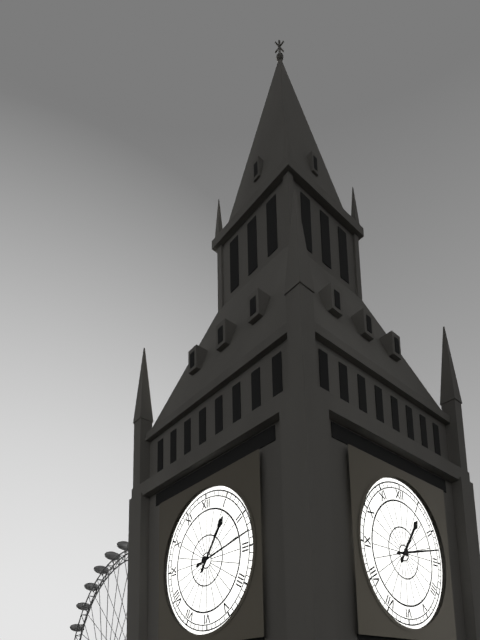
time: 1:13
